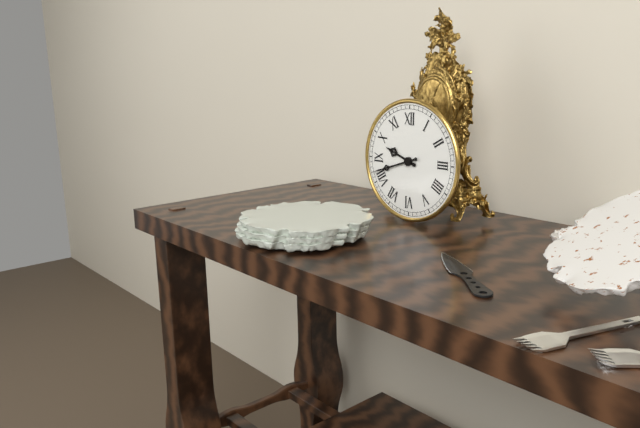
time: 9:42
